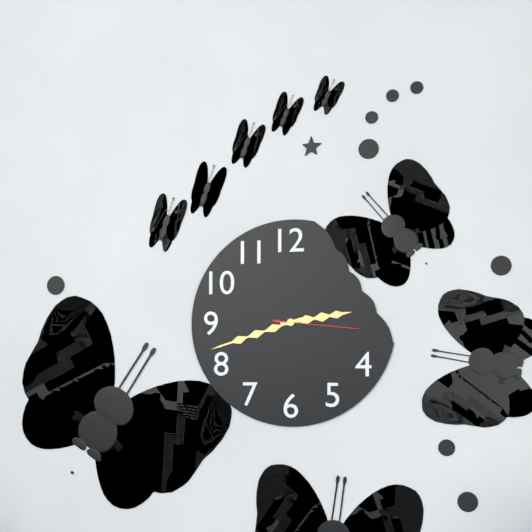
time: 2:42:16
